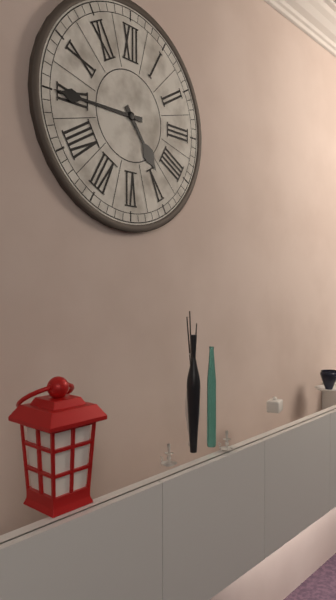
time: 4:45
